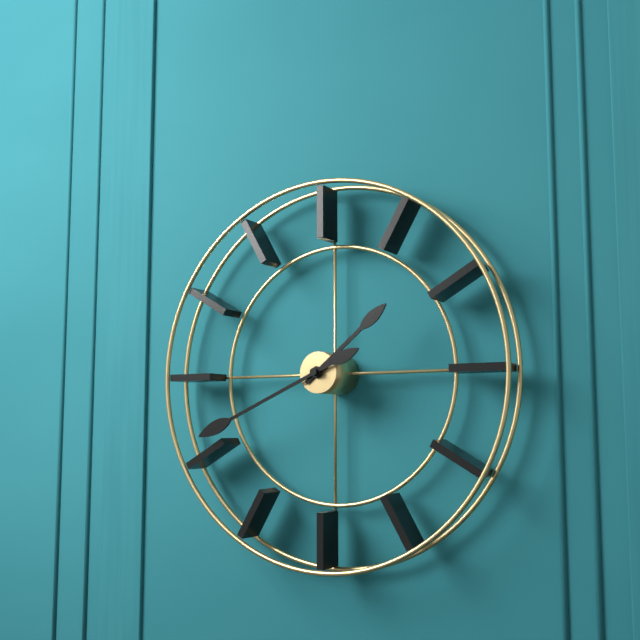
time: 1:41
